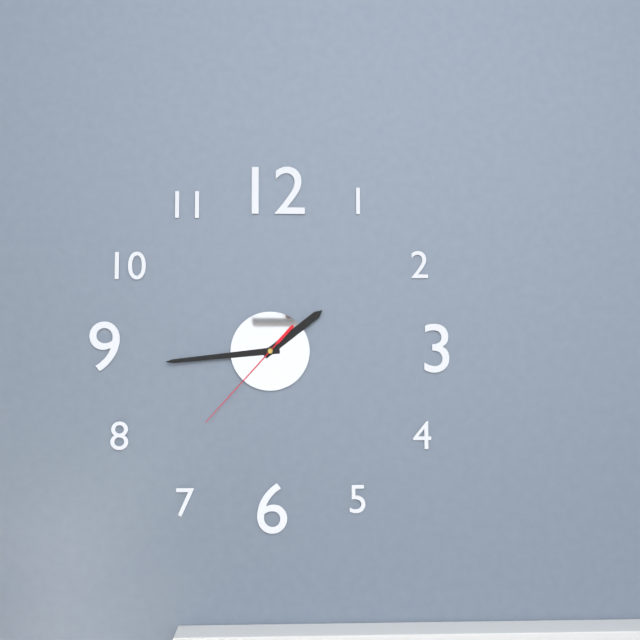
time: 1:44:37
